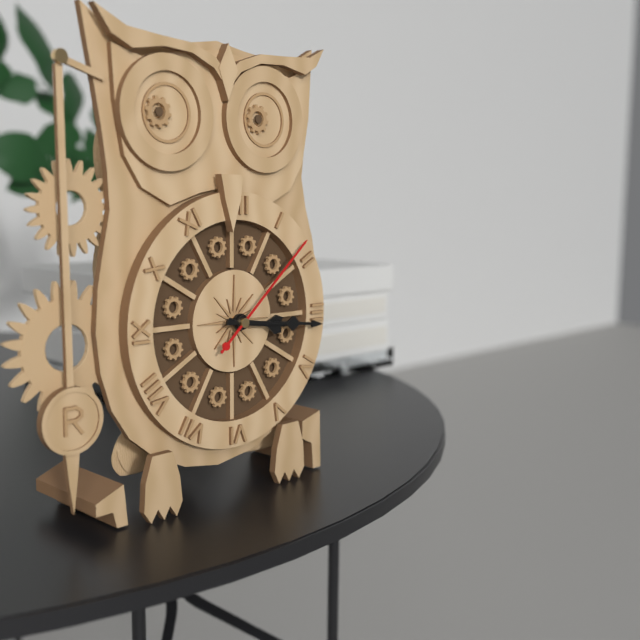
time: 3:16:08
